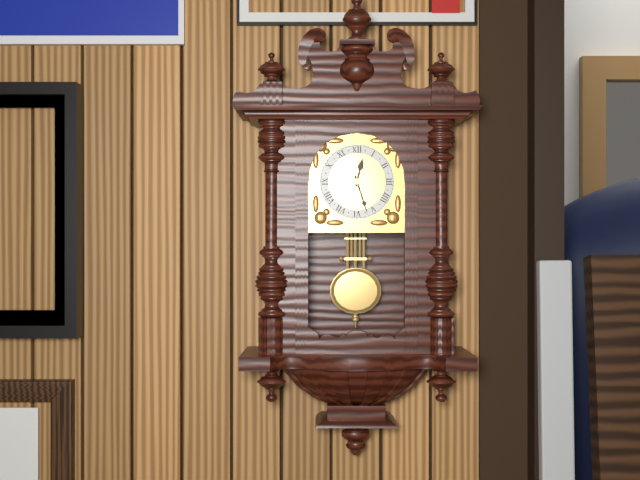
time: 12:27
